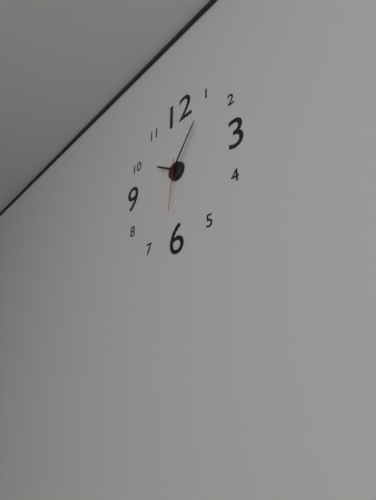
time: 10:06
